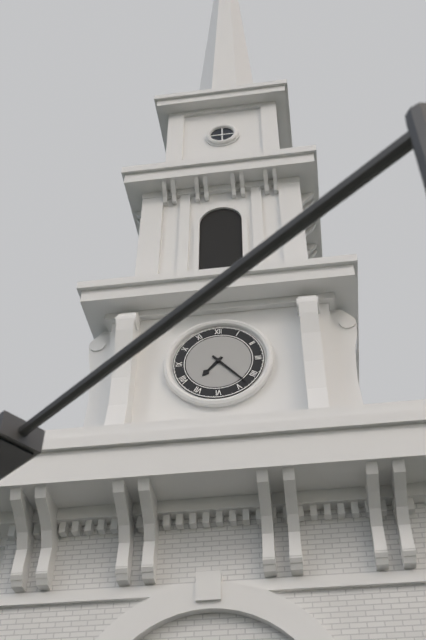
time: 7:23
